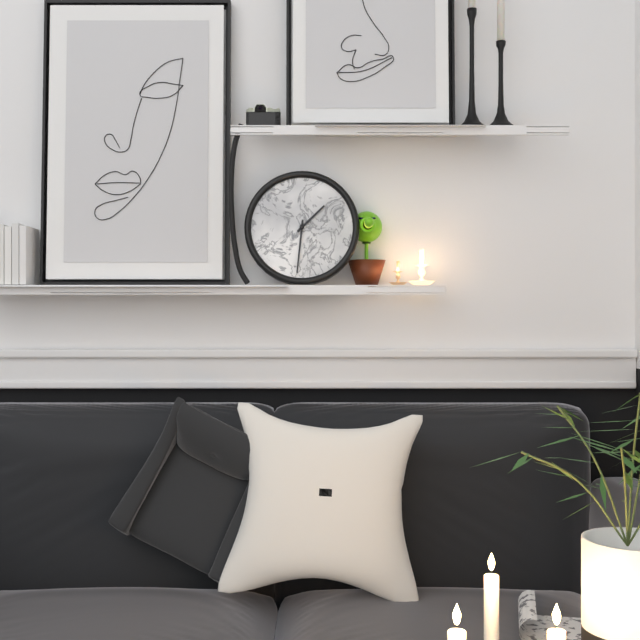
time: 1:31
